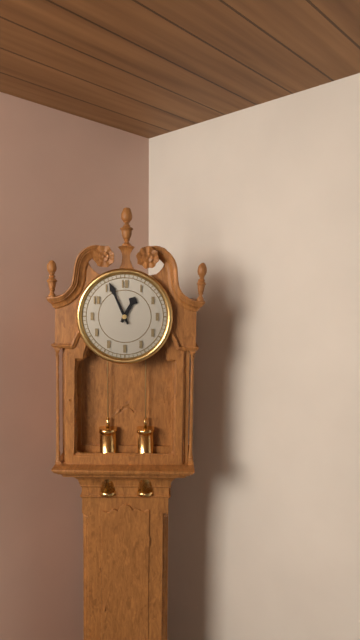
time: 12:56
